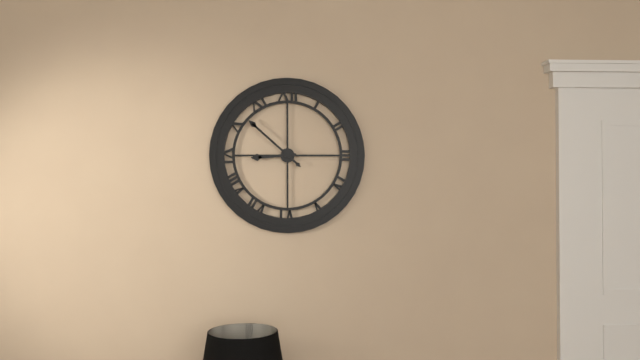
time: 8:52
